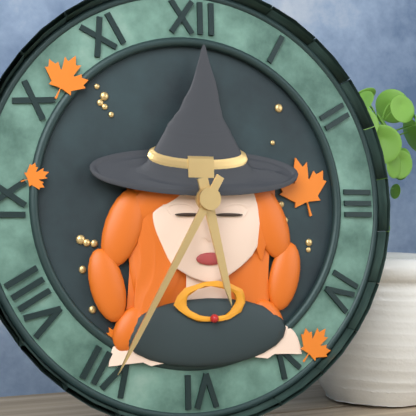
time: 5:35
